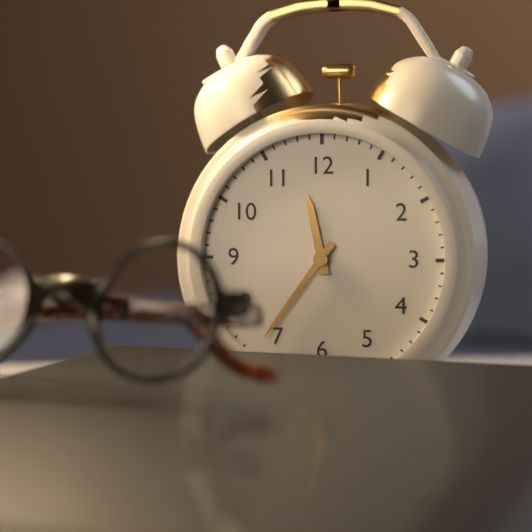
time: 11:36
